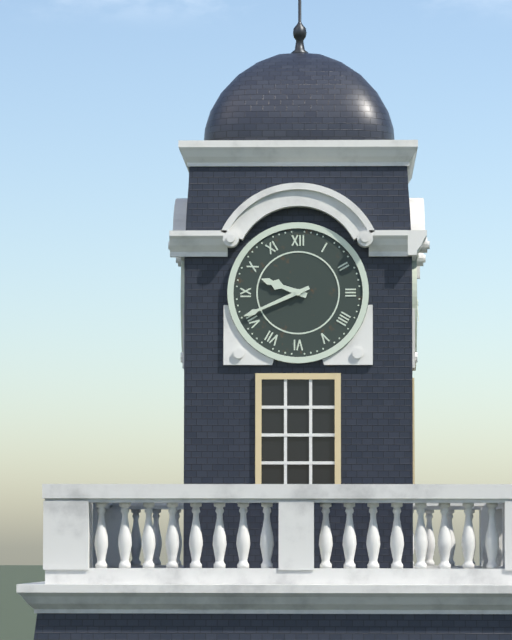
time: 9:41
